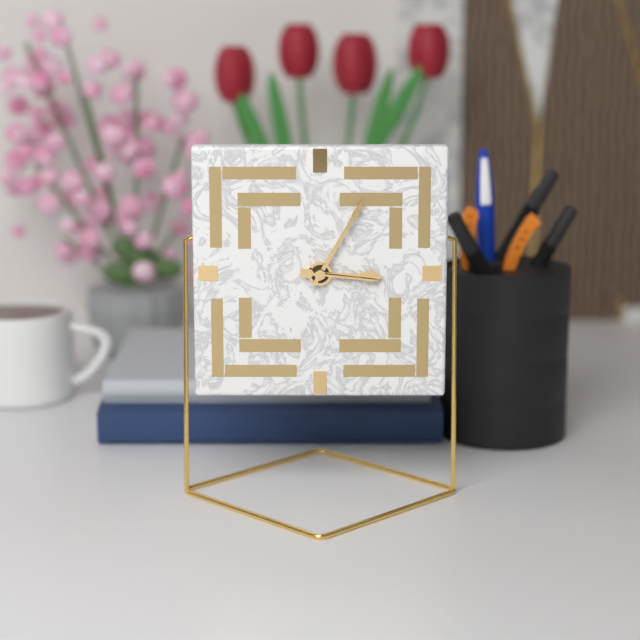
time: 3:05:16
